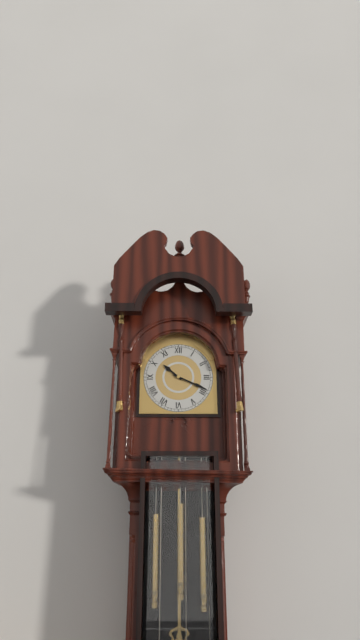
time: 10:19
